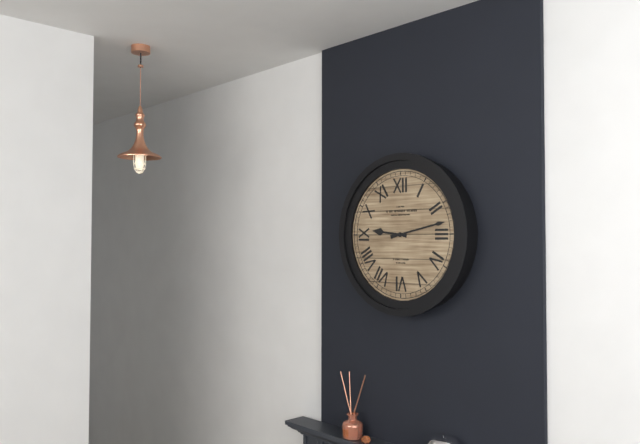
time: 9:13
